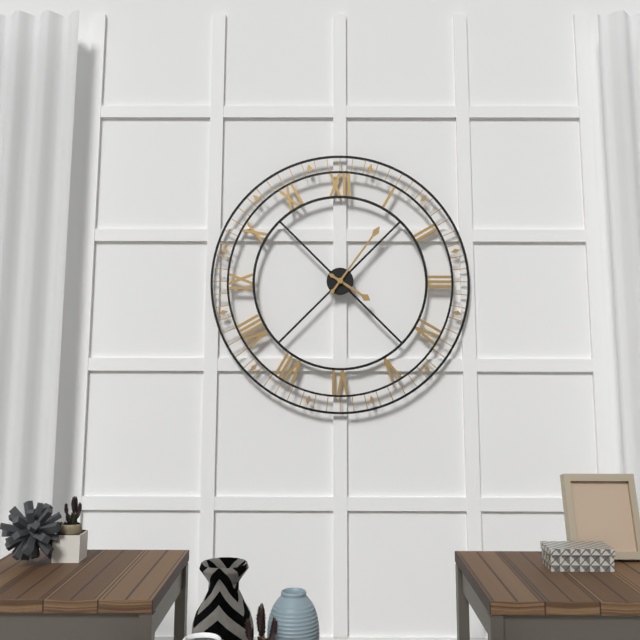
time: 4:06
